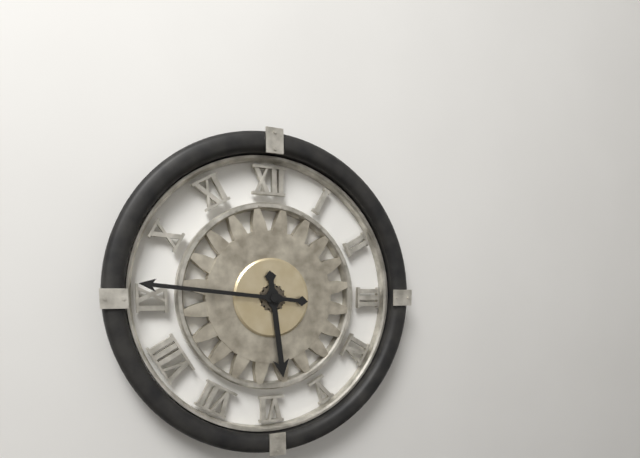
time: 5:46
